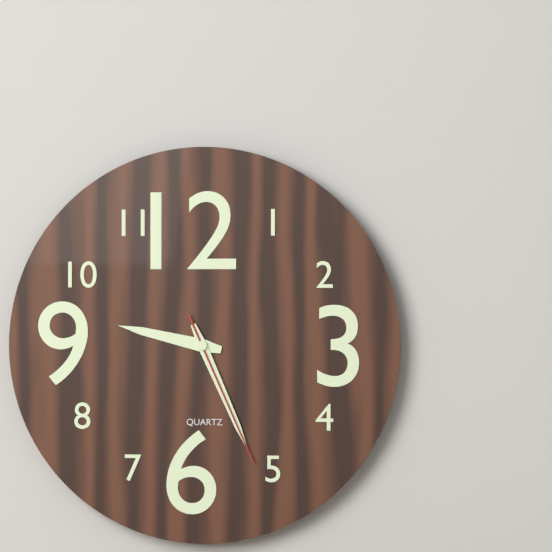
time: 9:26:26
